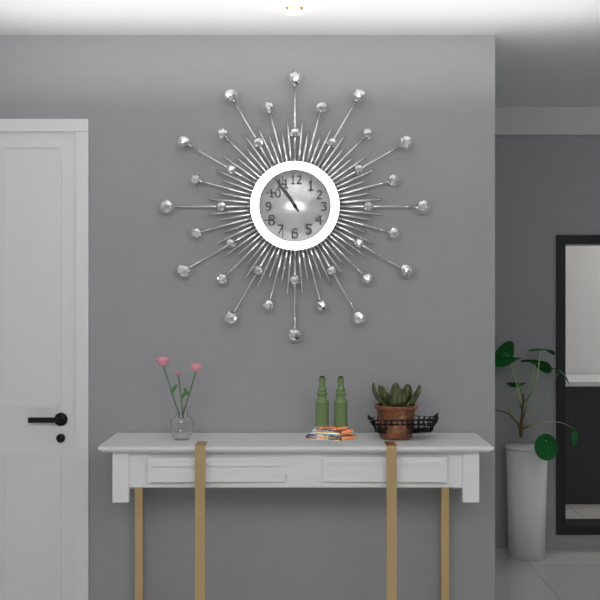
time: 10:54
